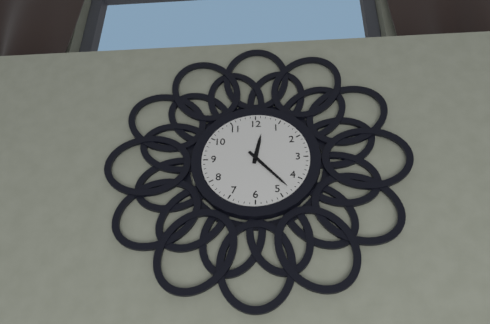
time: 12:23
